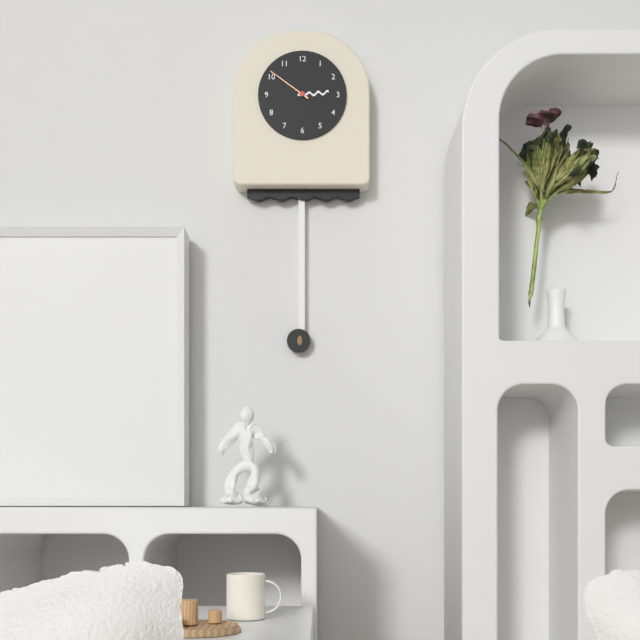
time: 2:51
